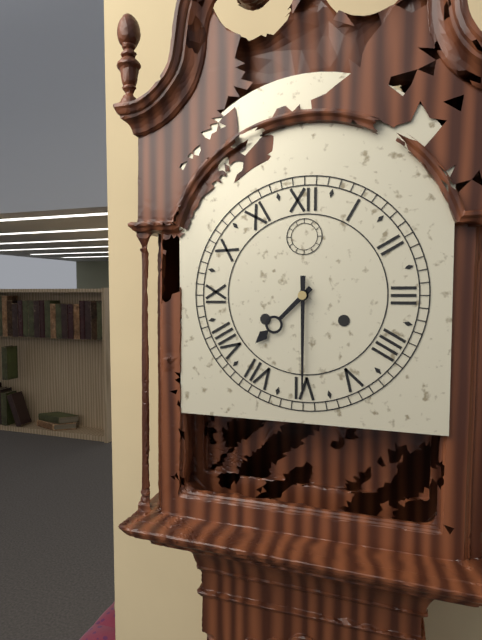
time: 7:30
